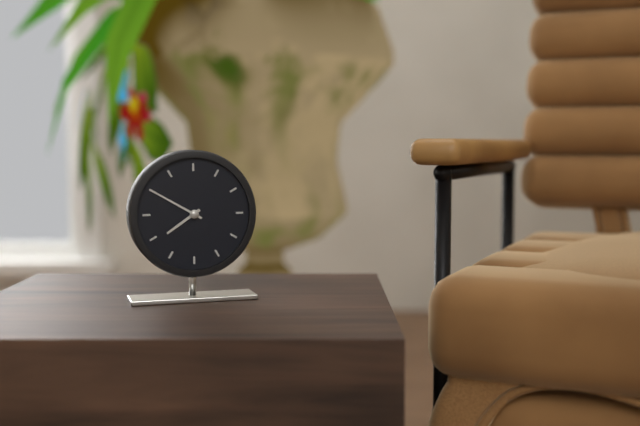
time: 7:50
